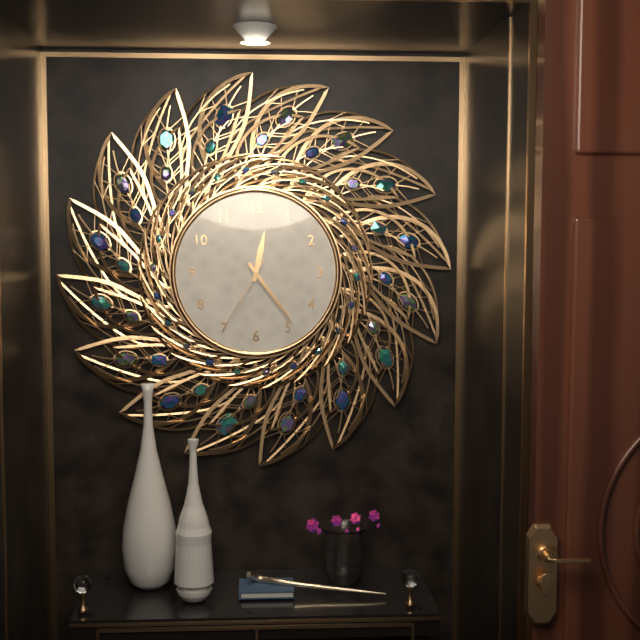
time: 12:24:35
